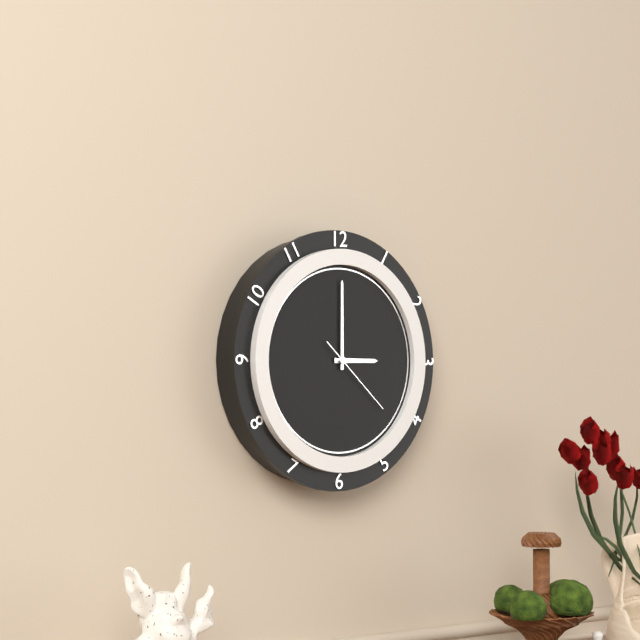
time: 3:00:22
